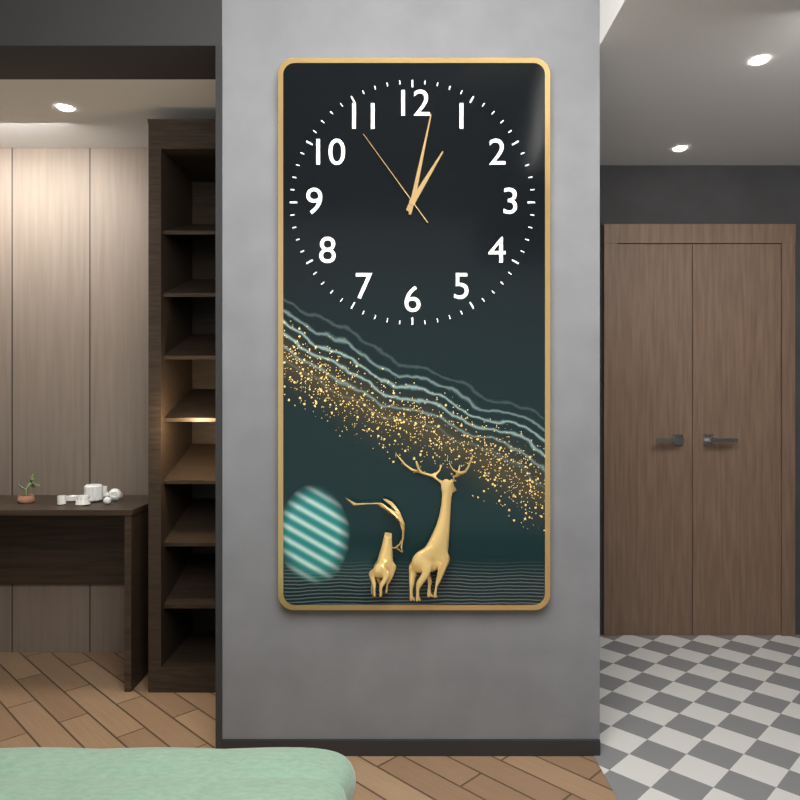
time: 1:02:54
